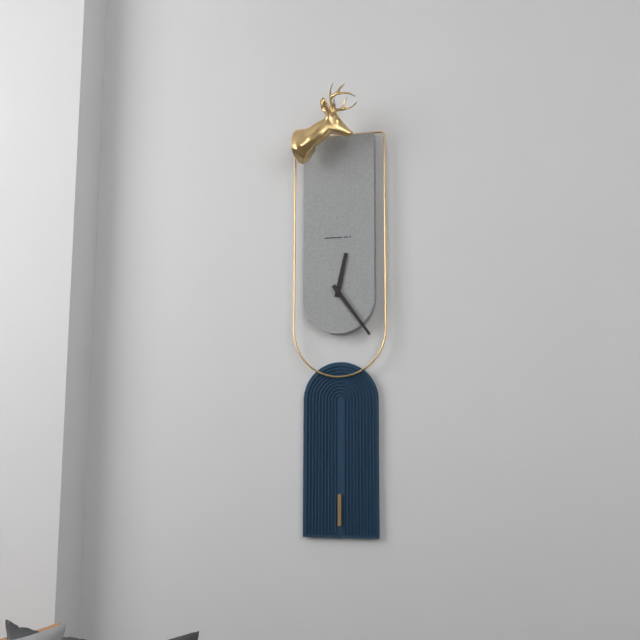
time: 12:24
